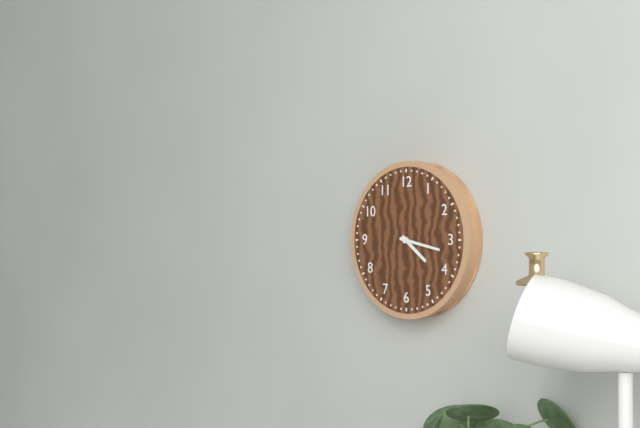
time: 4:17
